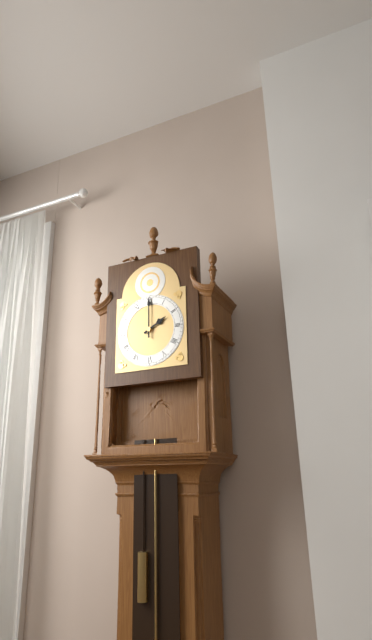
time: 2:00
